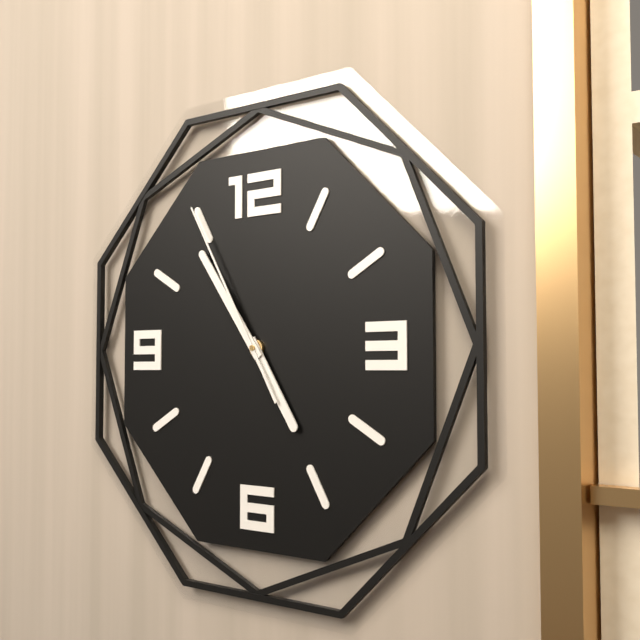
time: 4:54:55
